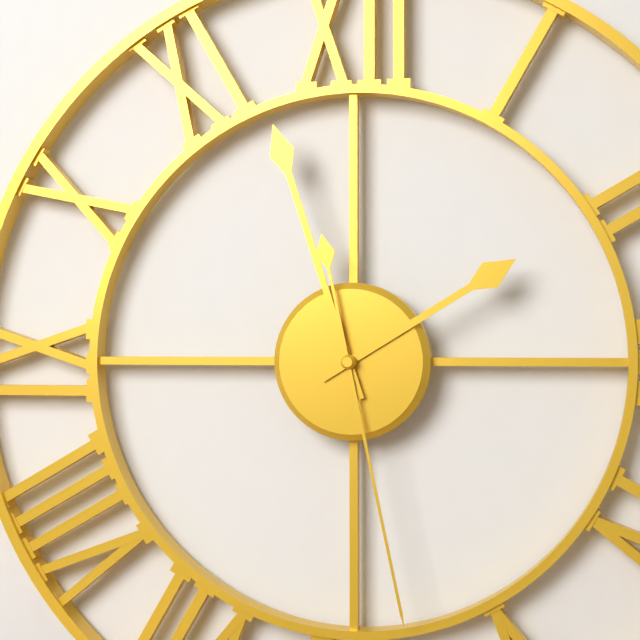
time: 1:57:28
